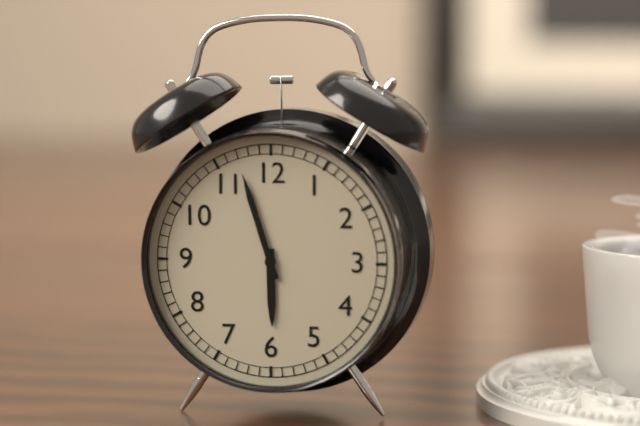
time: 5:57
